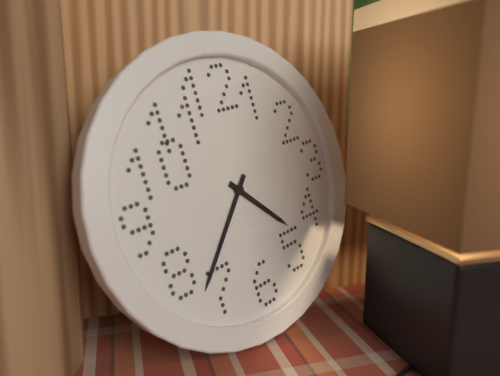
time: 4:37
